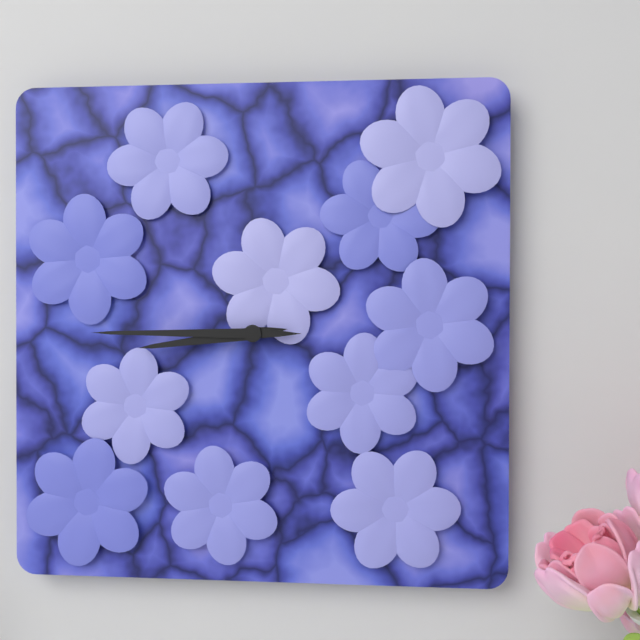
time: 8:45
